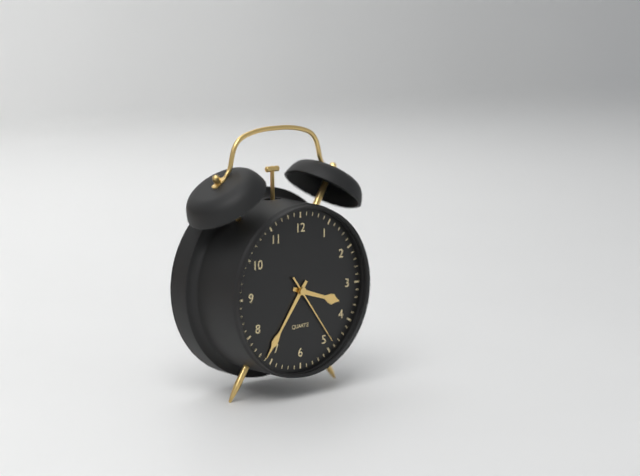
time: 3:36:24
